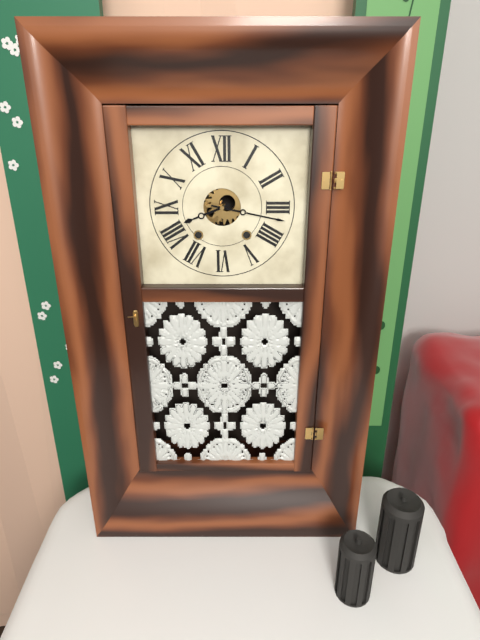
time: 8:17
